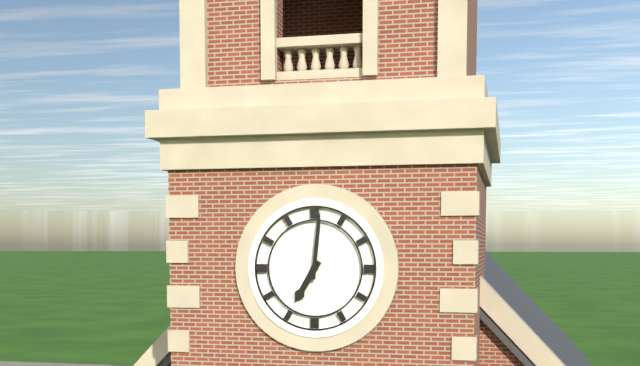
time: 7:01
